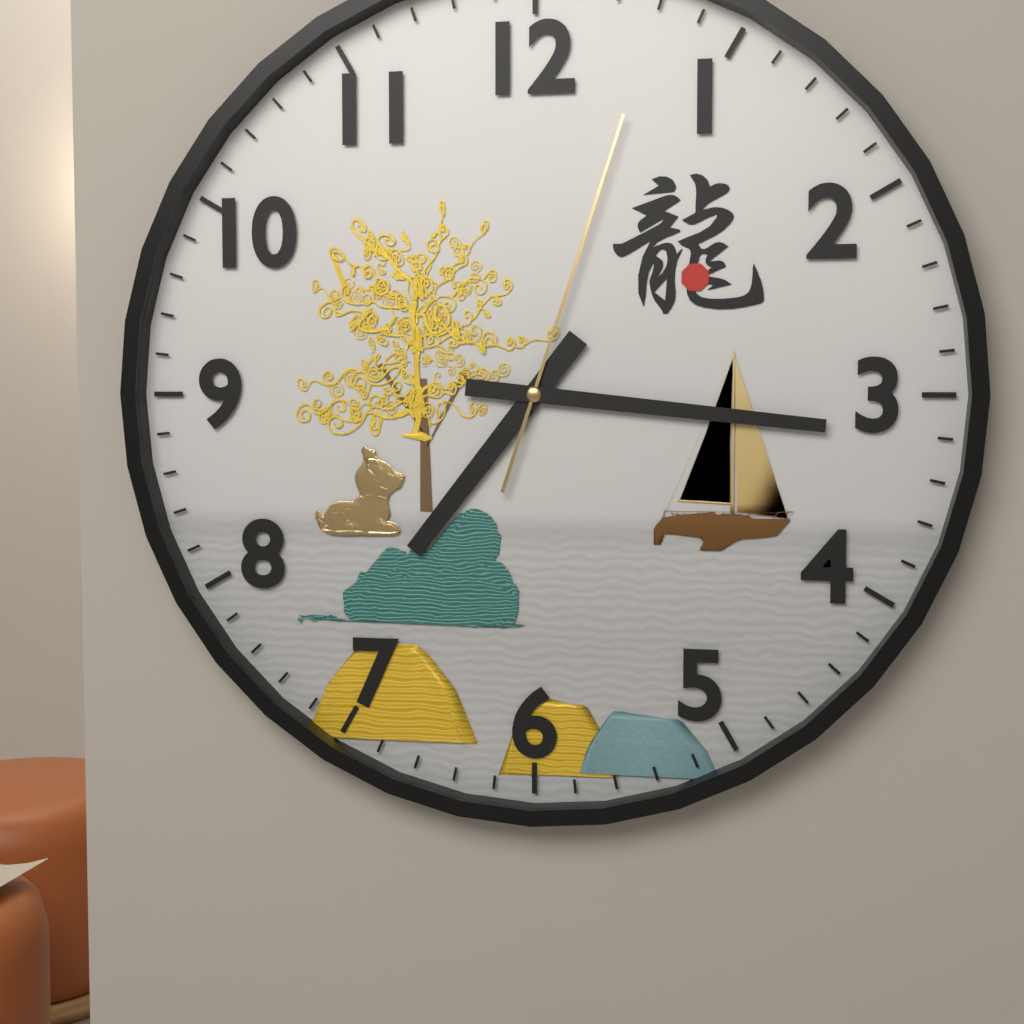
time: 7:16:03
